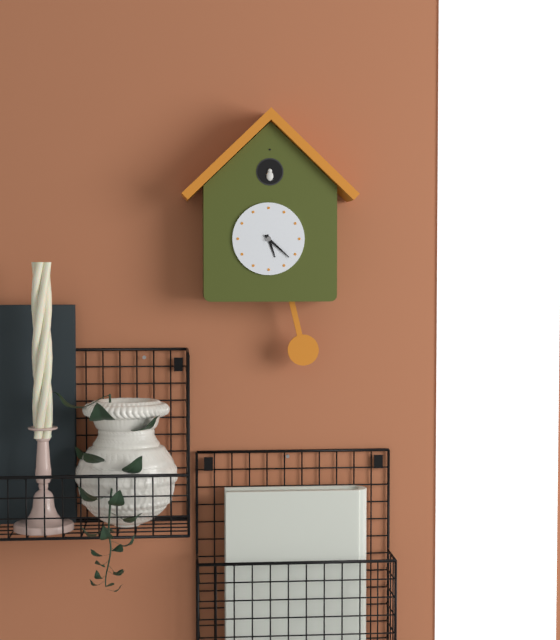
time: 5:22
